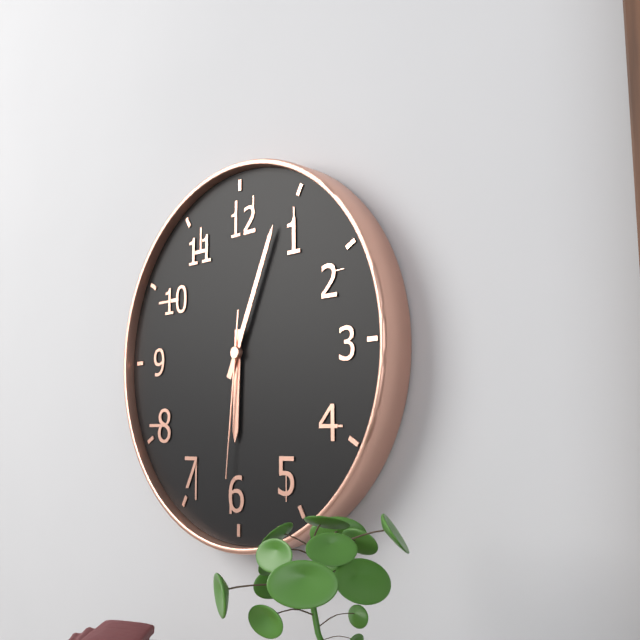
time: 6:04:31
